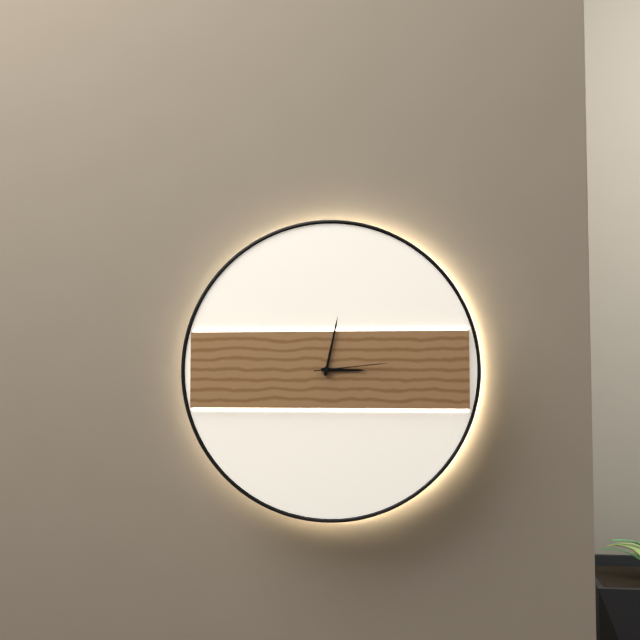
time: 3:02:14
